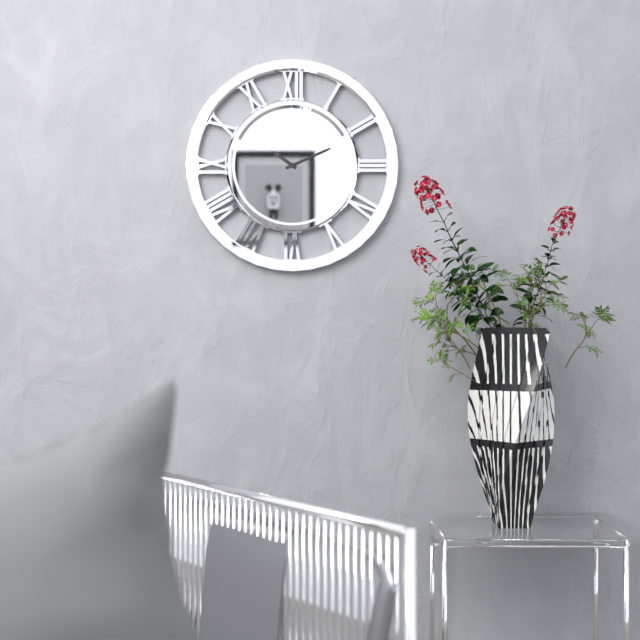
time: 10:11
